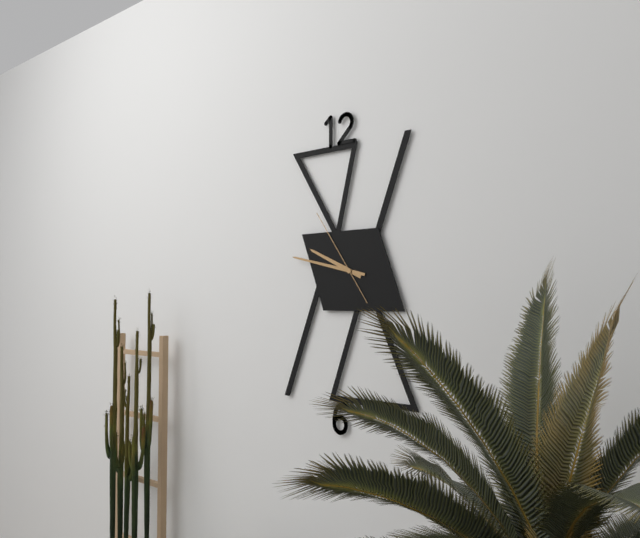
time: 9:47:54
